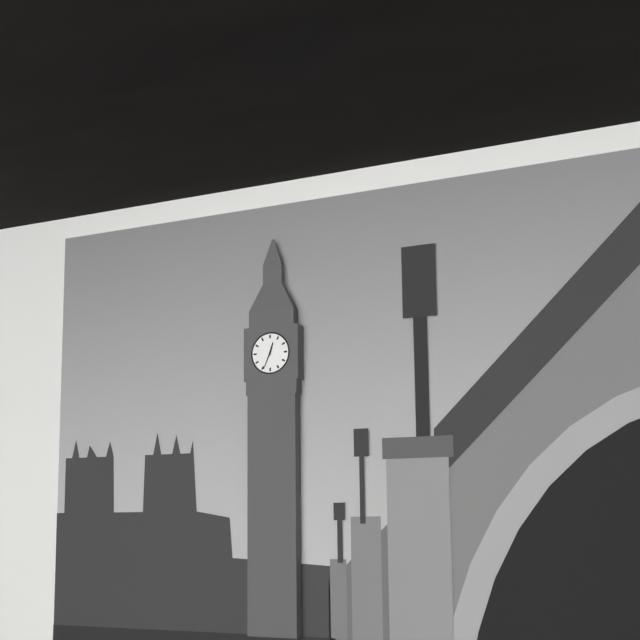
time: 12:34
